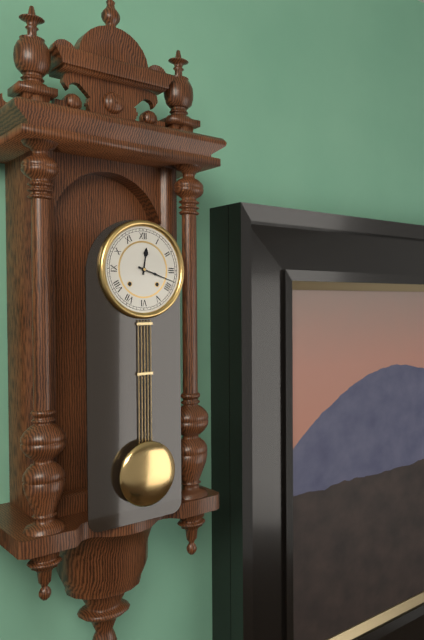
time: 12:18
